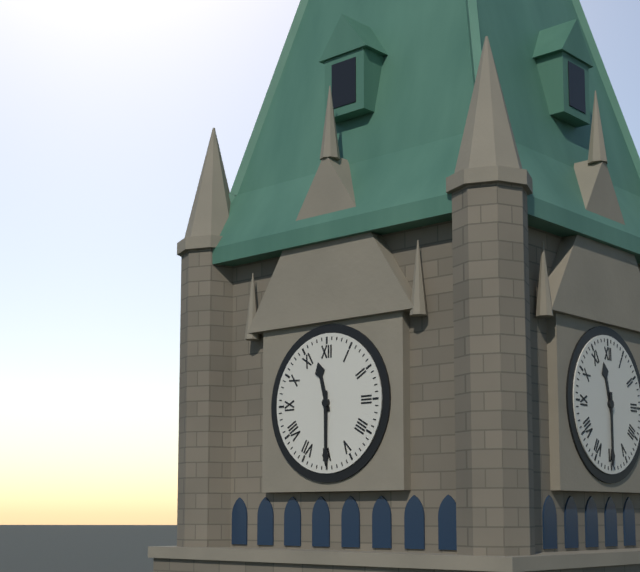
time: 11:30
